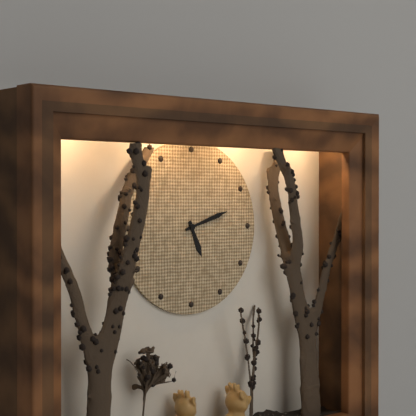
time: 5:12
